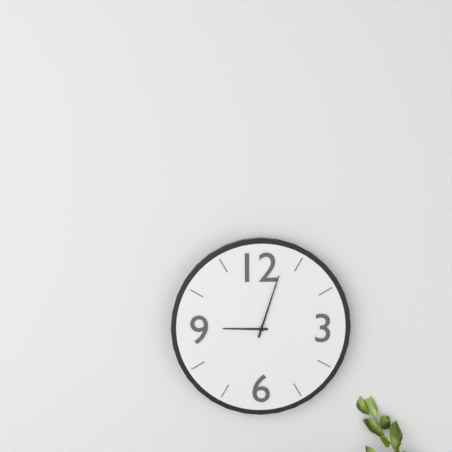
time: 9:03
